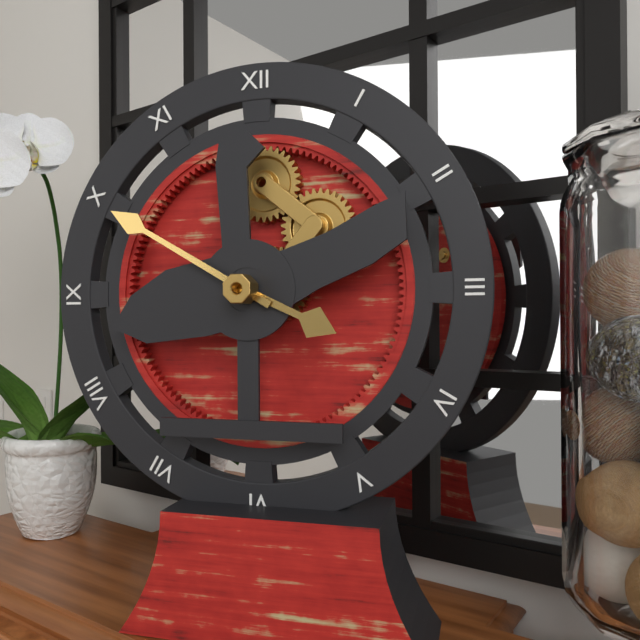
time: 3:50
